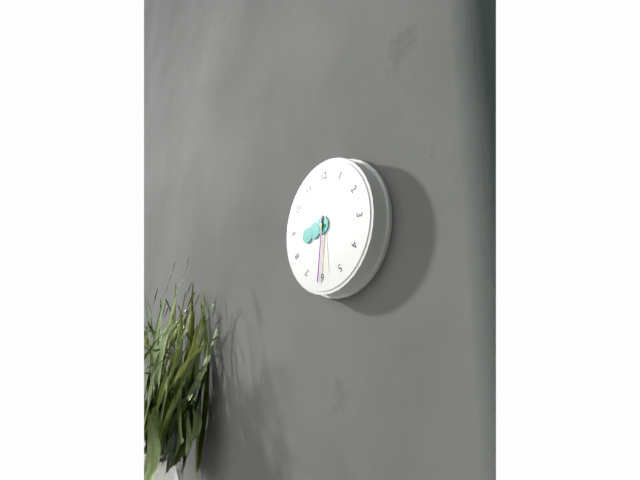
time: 8:31:29
